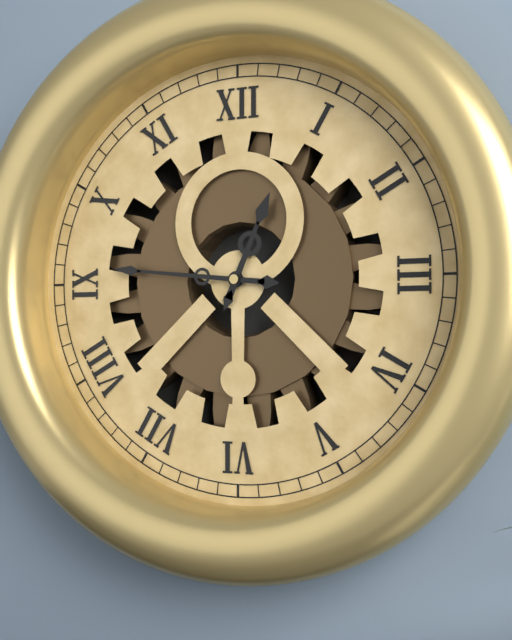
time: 12:46
